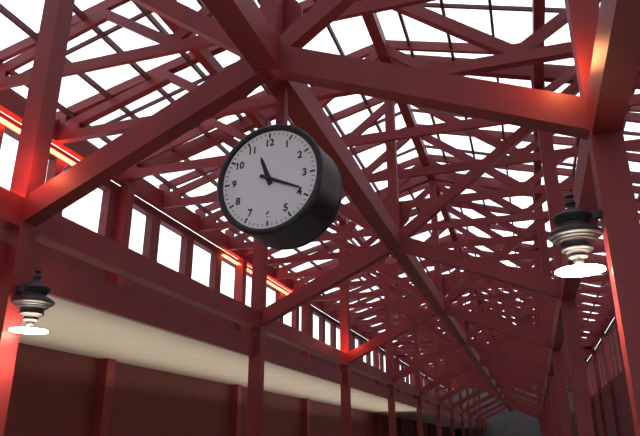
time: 11:19
